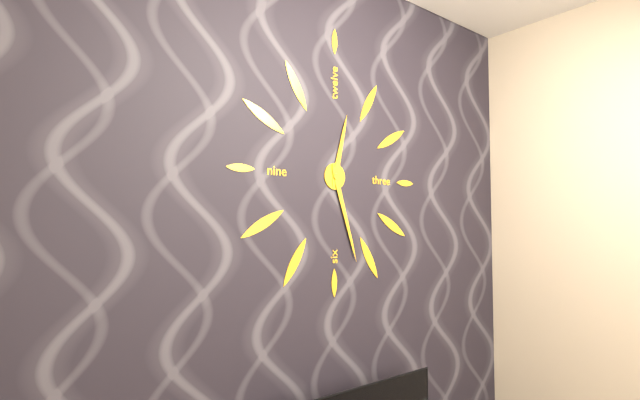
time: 12:27
